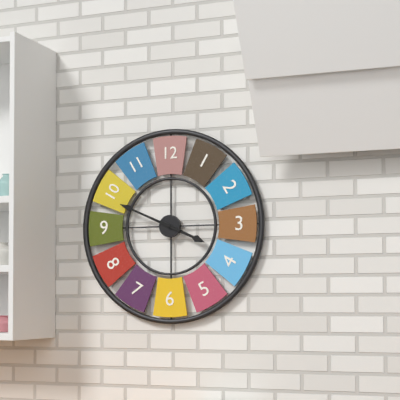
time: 3:49
